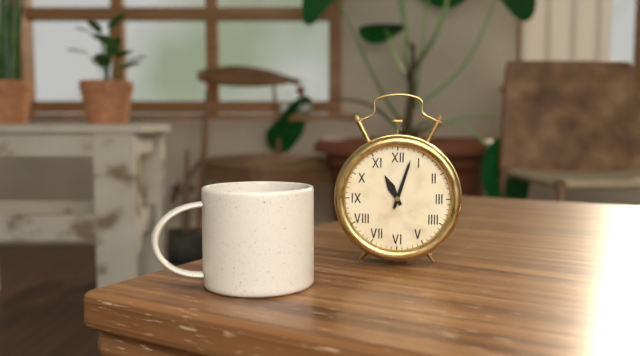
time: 11:03
